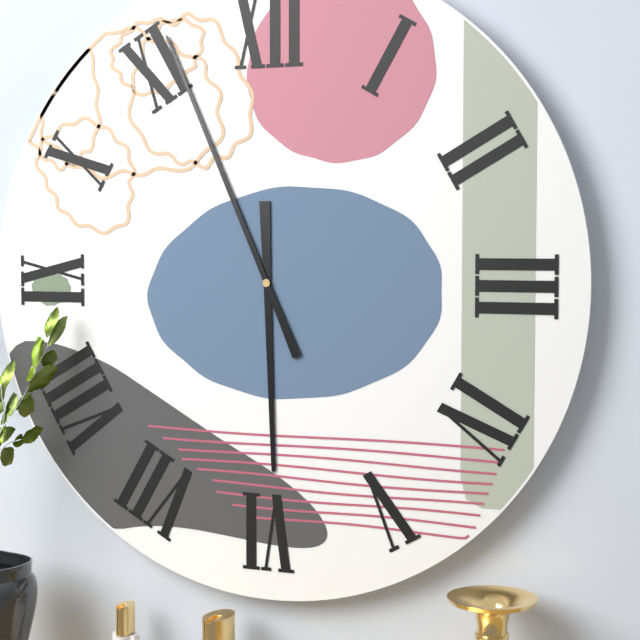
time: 5:56
